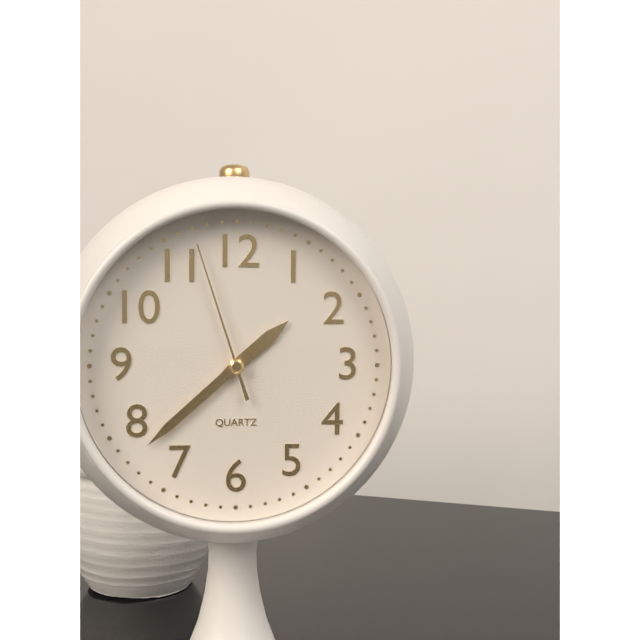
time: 1:38:57
